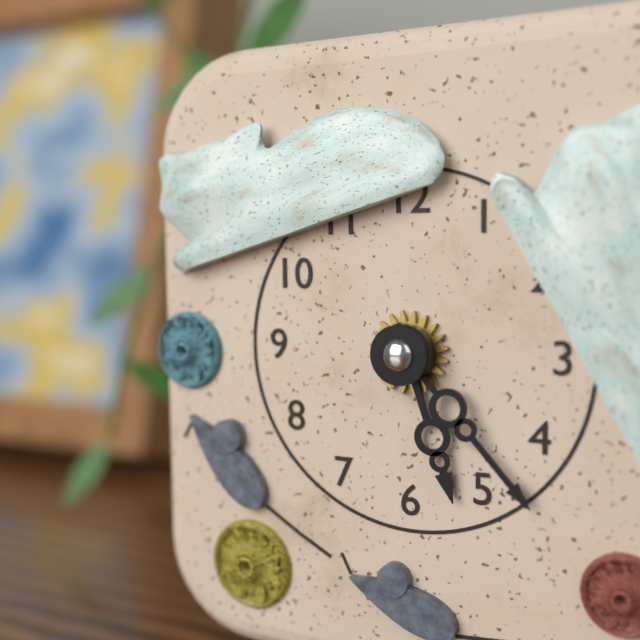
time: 5:23
